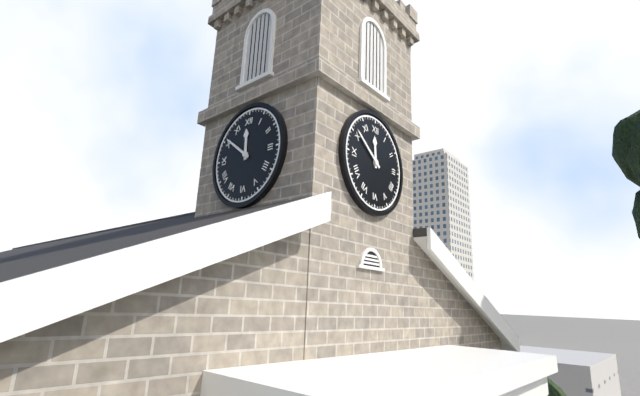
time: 11:51
